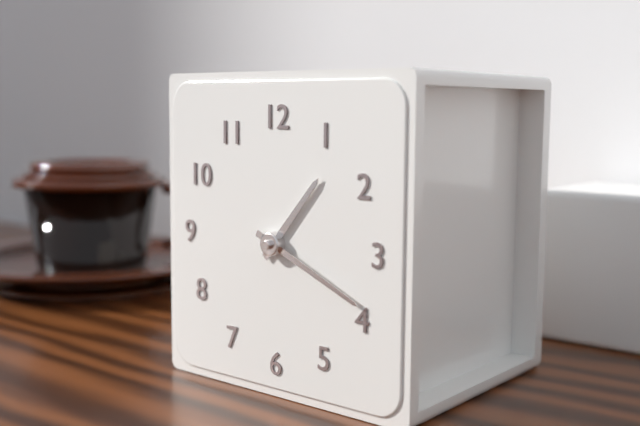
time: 1:19
